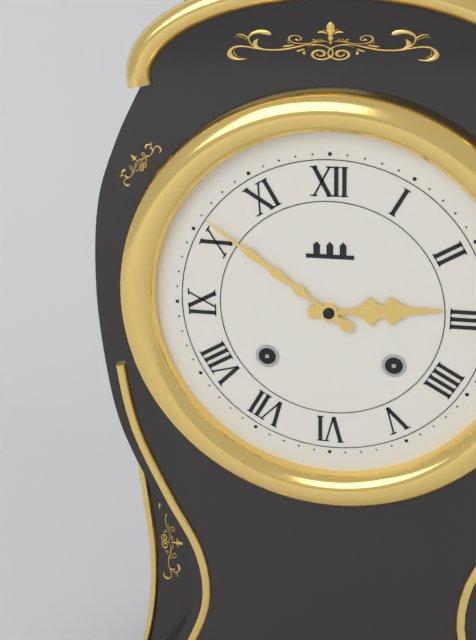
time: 2:51
